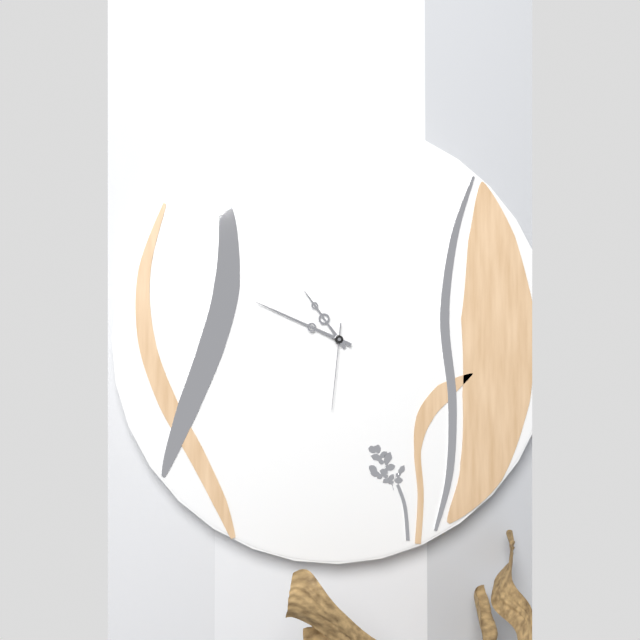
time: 10:49:31
